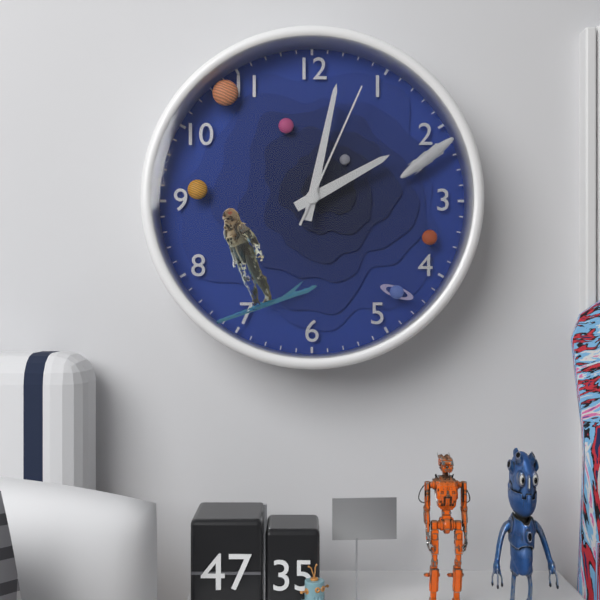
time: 2:02:04
